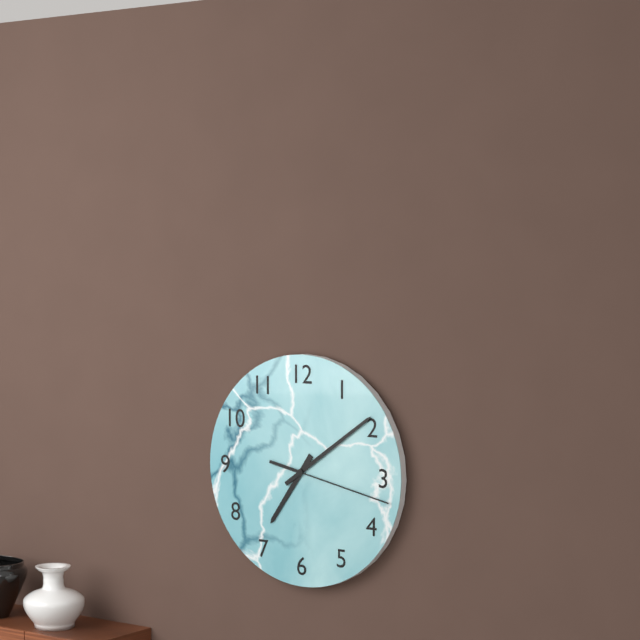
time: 7:09:17
